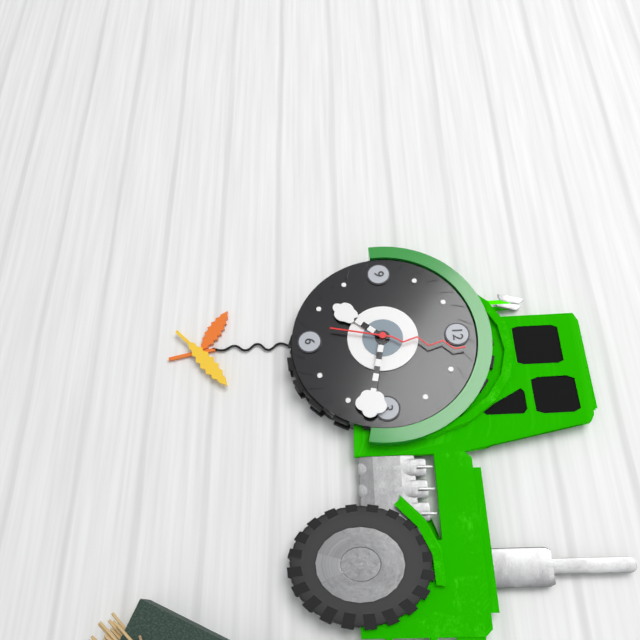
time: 7:17:02
